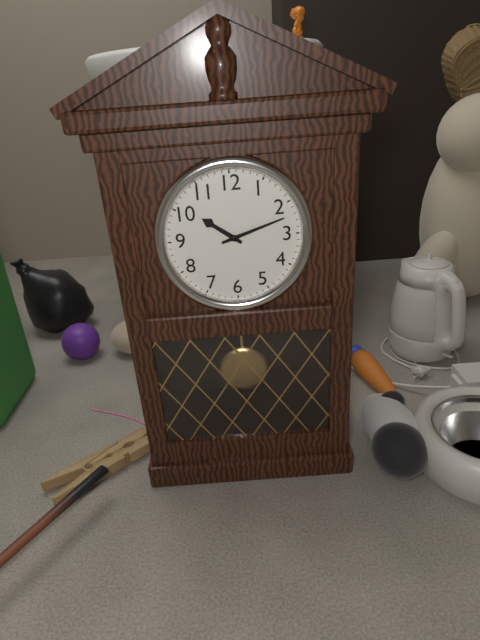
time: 10:12
